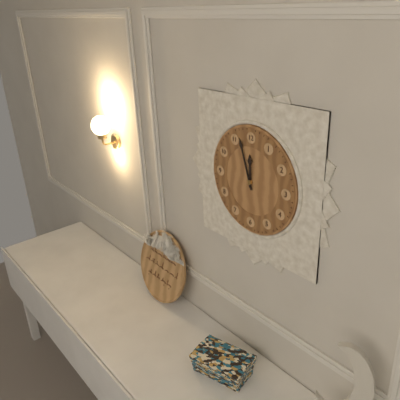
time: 11:57
